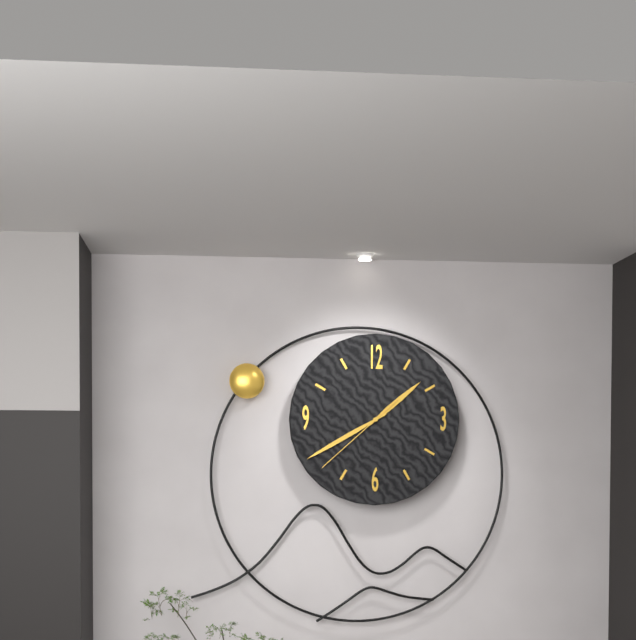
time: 1:40:38
